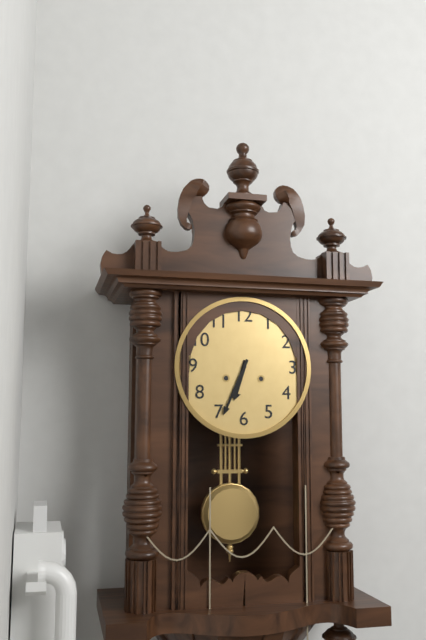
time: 6:34
